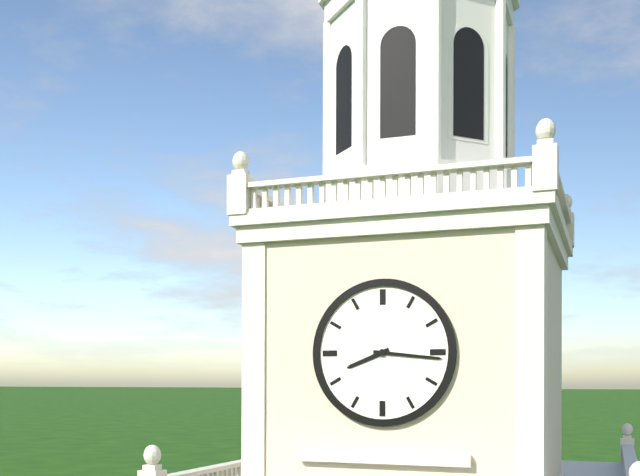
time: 8:16
